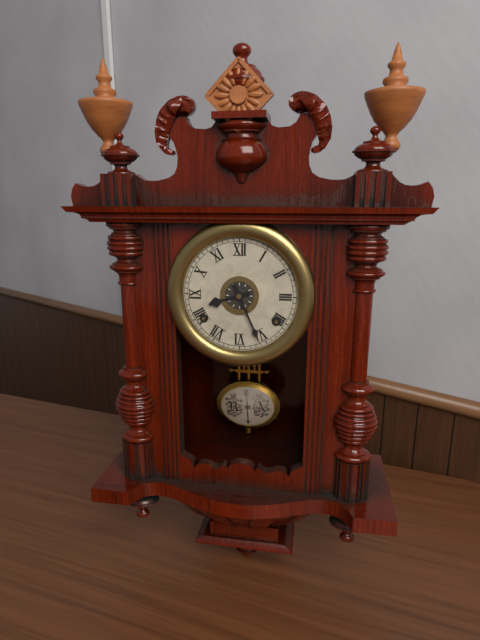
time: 8:26
